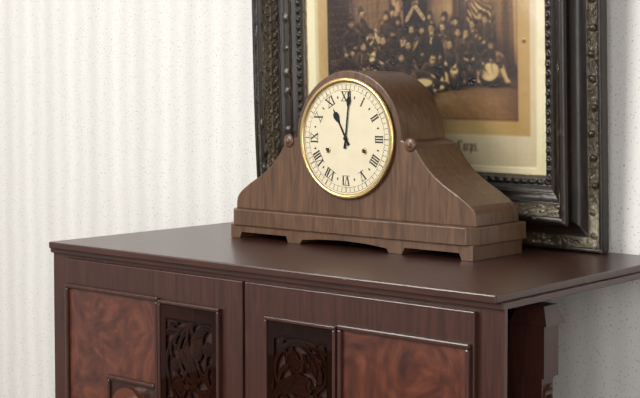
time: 11:01
